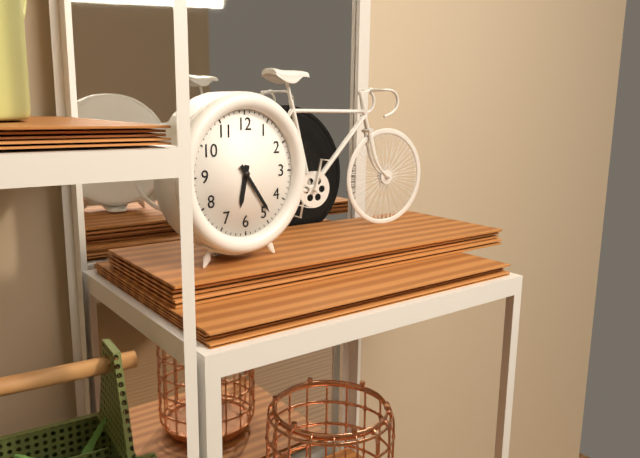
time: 6:24
